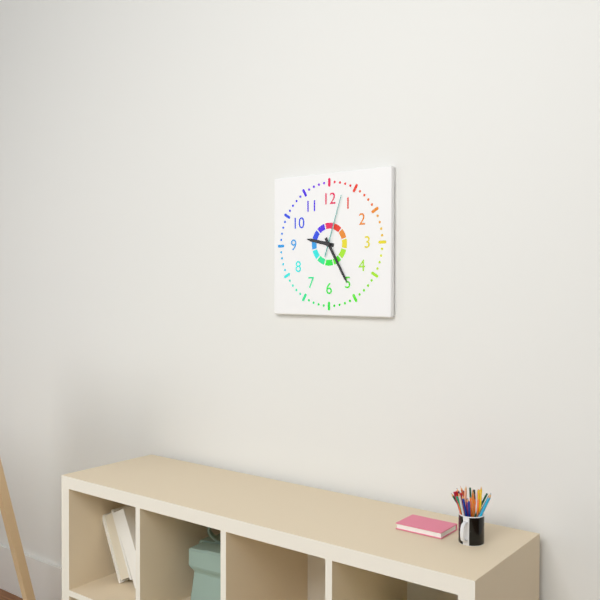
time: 9:25:03
